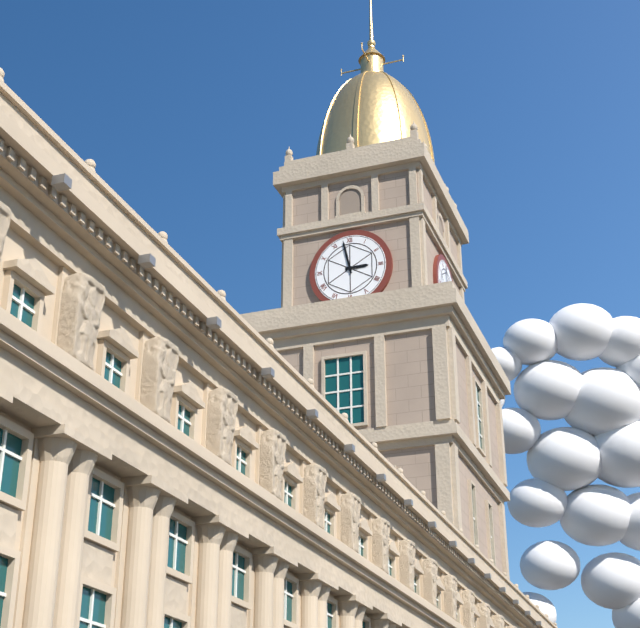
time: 2:58
